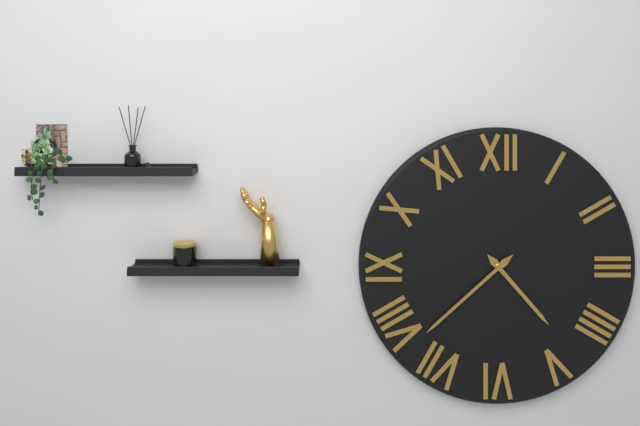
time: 4:38
